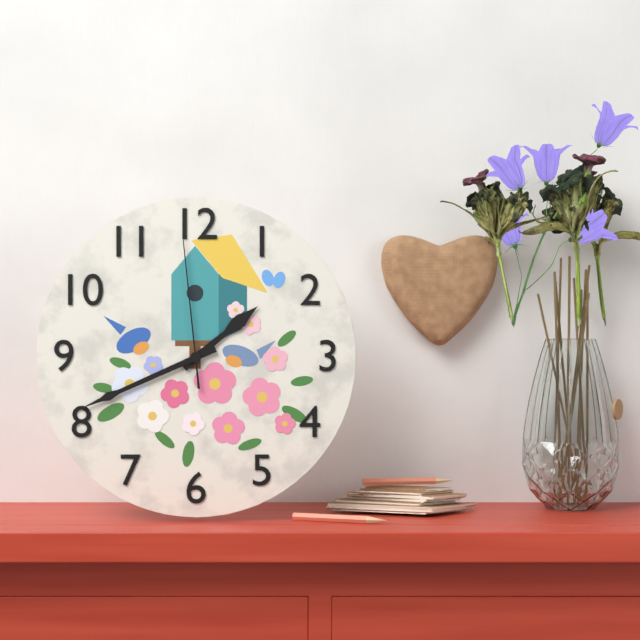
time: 1:41:59
